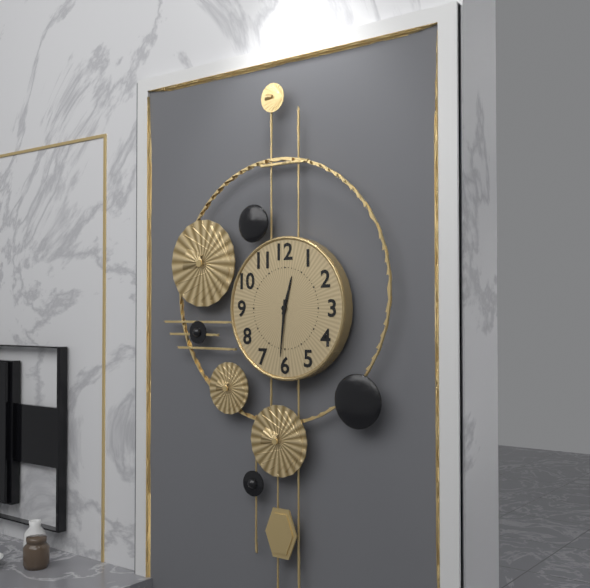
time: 12:31
